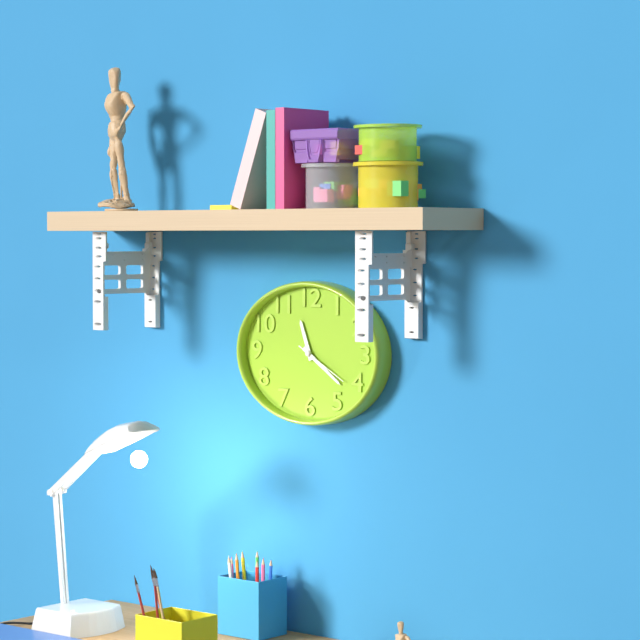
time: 11:21:20
